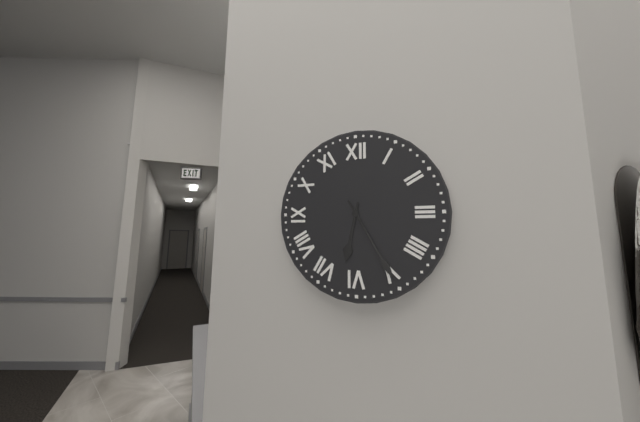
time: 6:25
